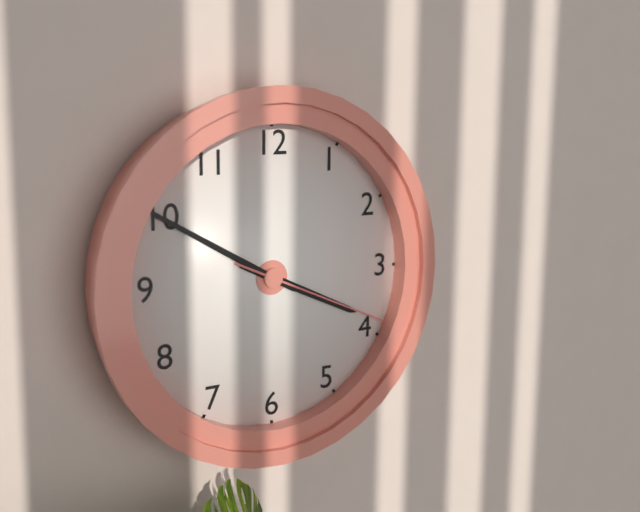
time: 3:50:19
